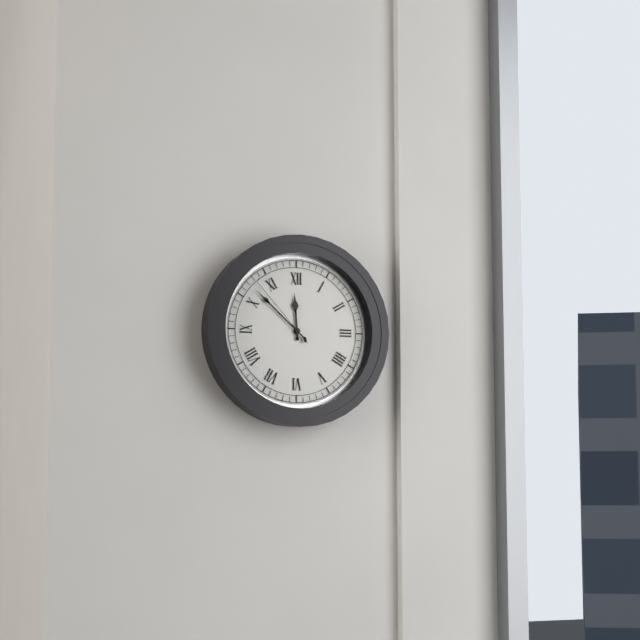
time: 11:52:53
